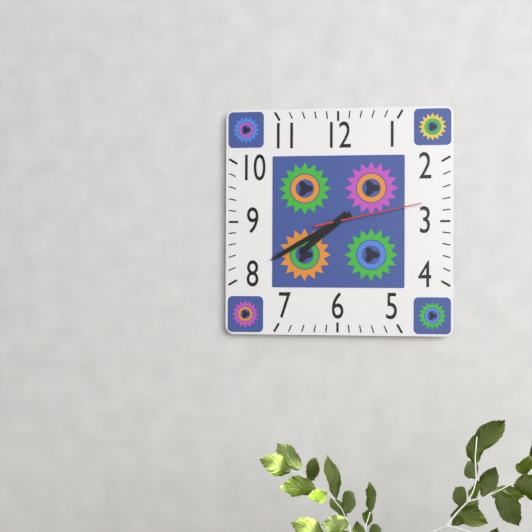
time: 7:40:13
